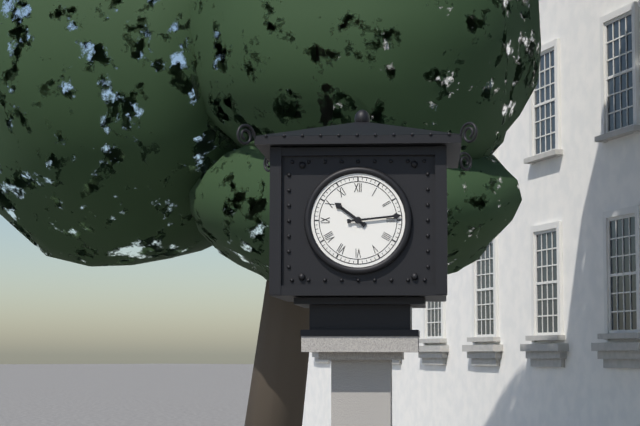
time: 10:14
